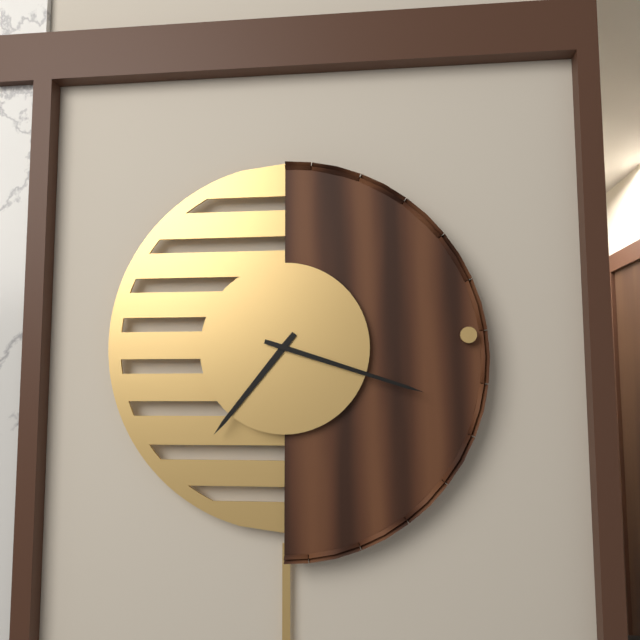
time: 7:18
